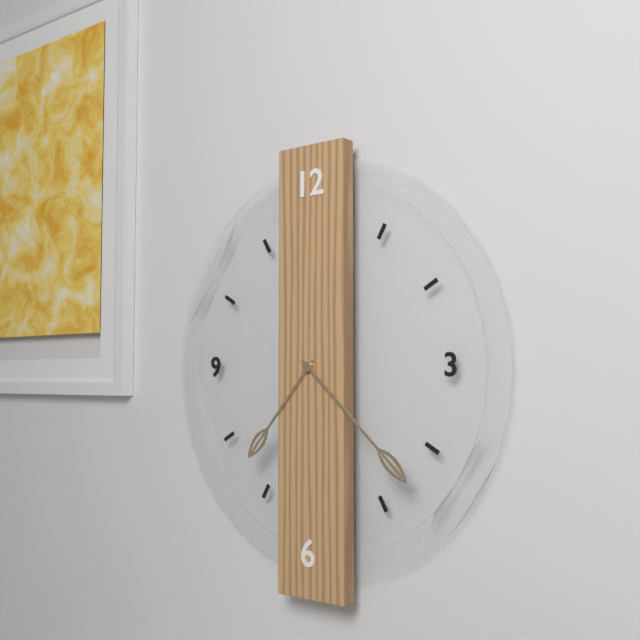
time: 7:22
